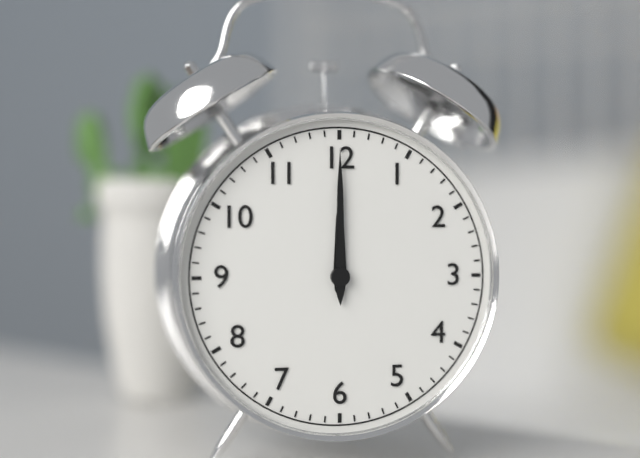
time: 12:00
